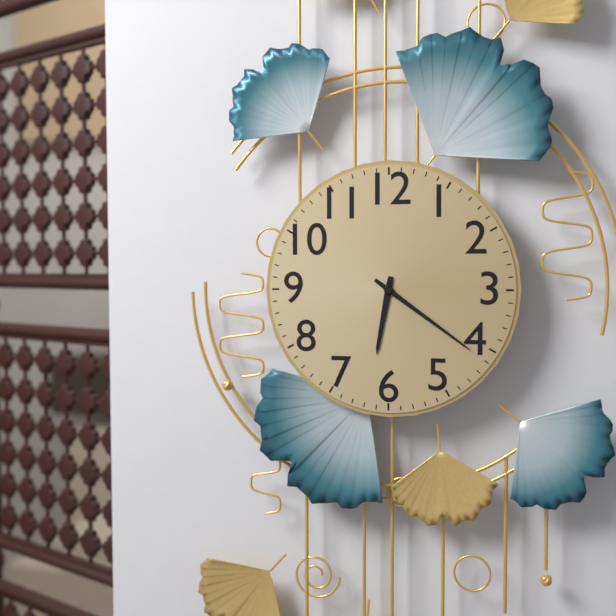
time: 6:21
